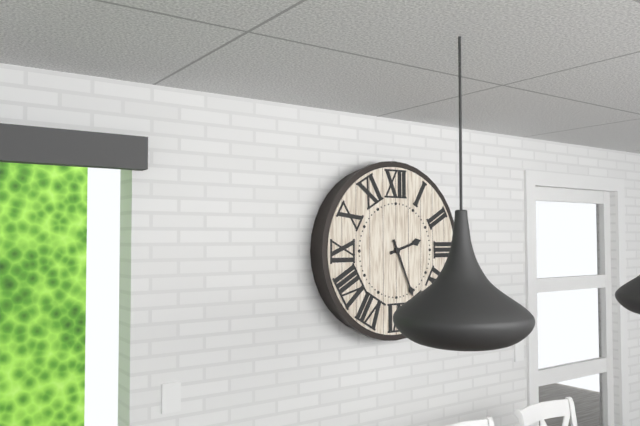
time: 2:26
